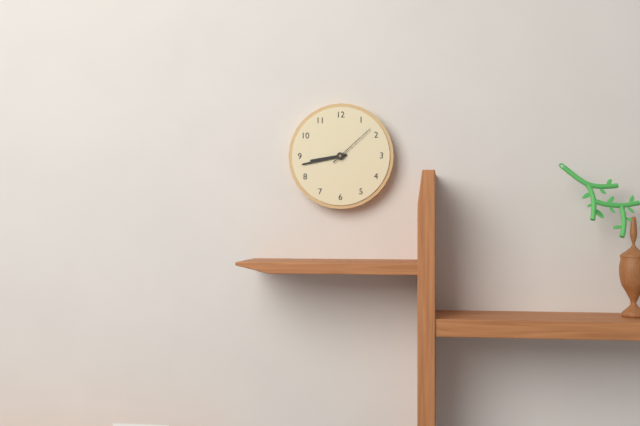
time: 8:43:08
